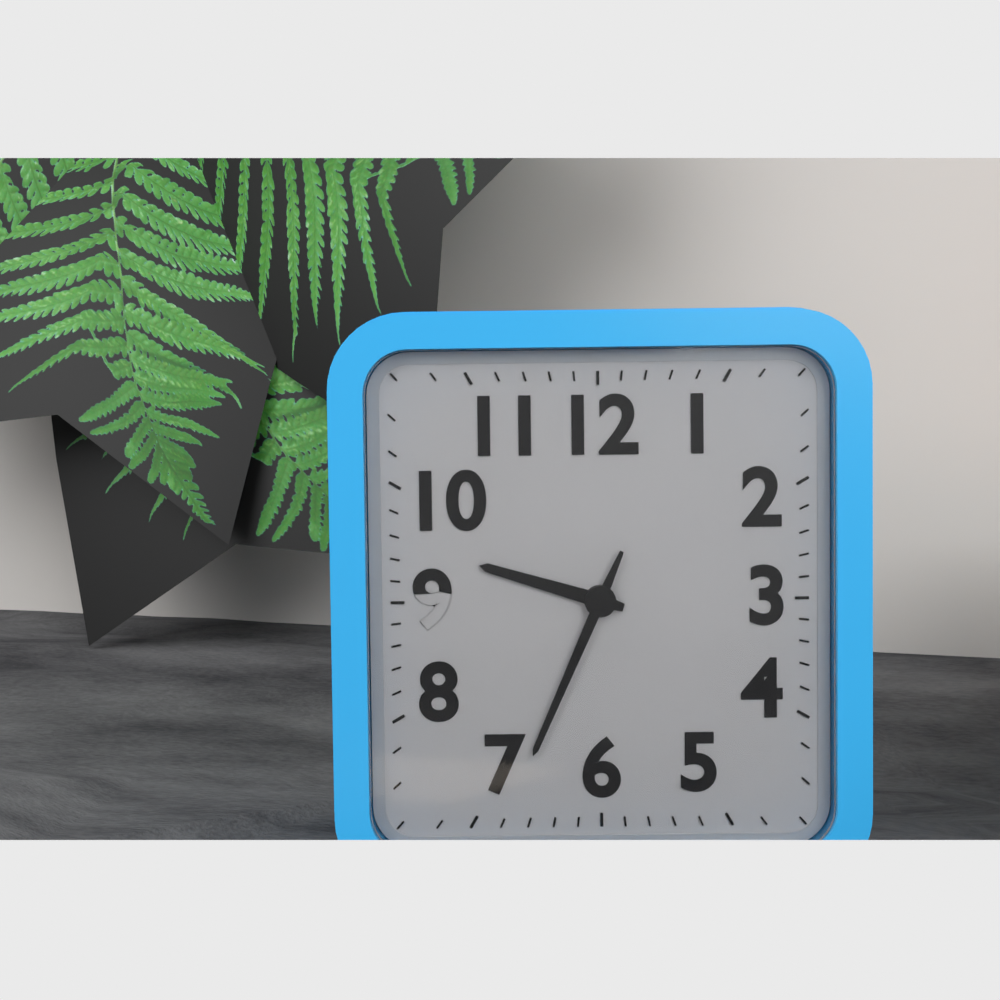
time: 9:34
